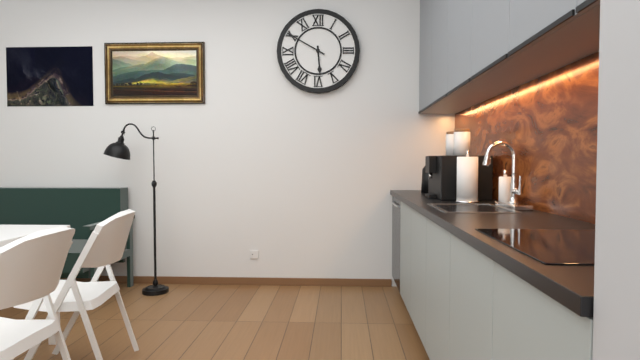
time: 5:50
